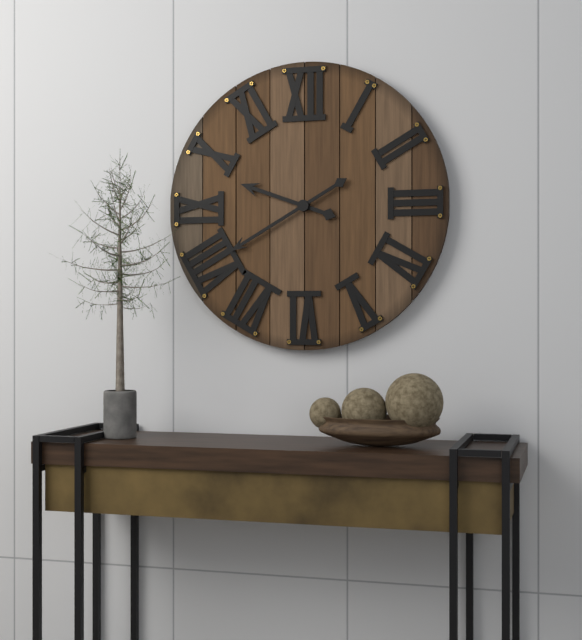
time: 9:40
